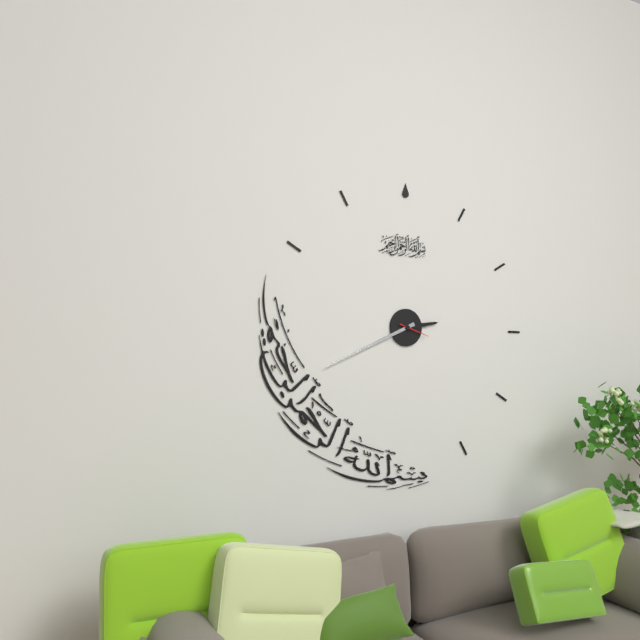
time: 2:41
